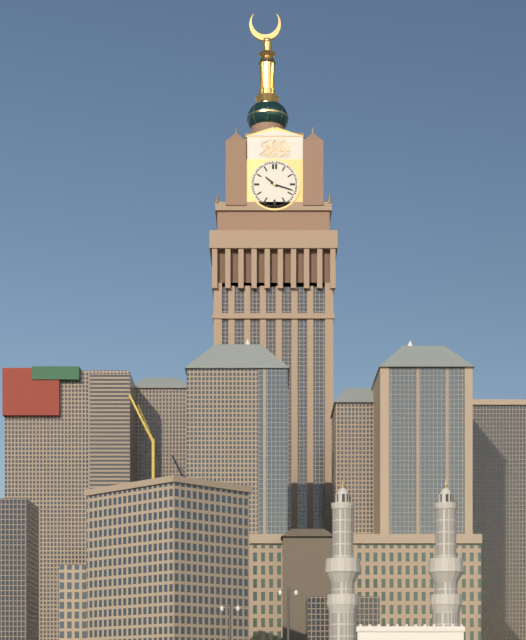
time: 10:18
